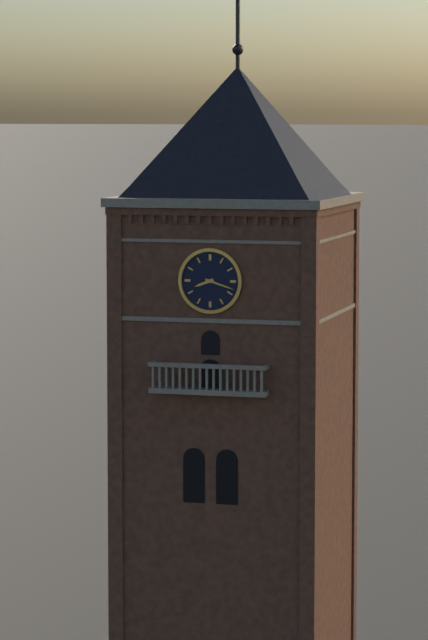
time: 8:18
